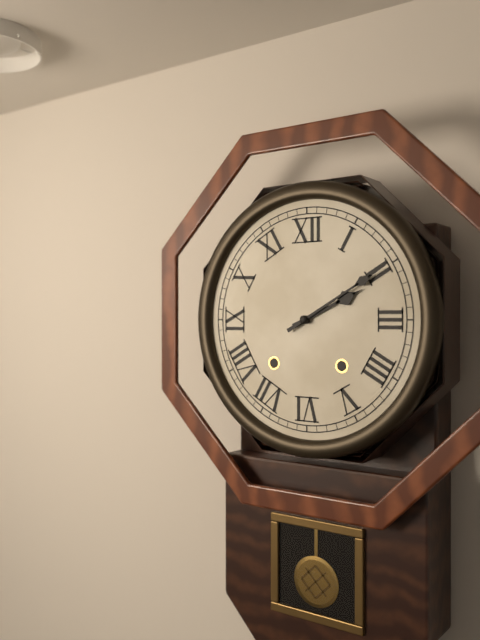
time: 2:10
